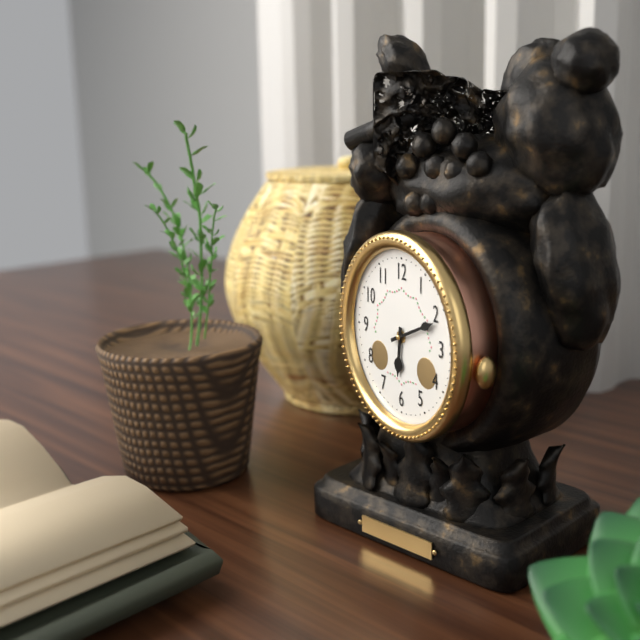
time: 6:11
